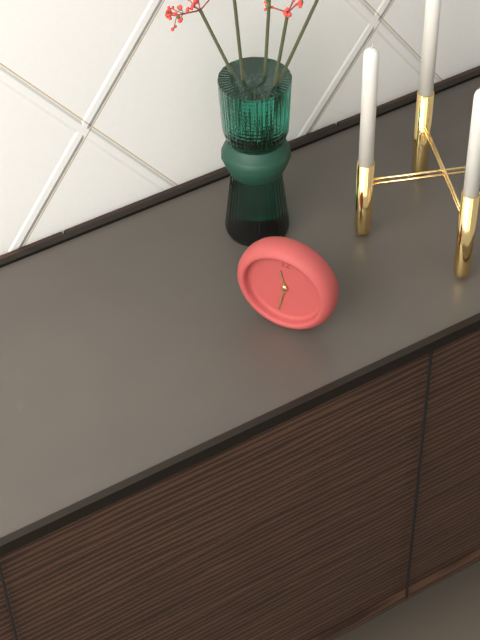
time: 11:32
